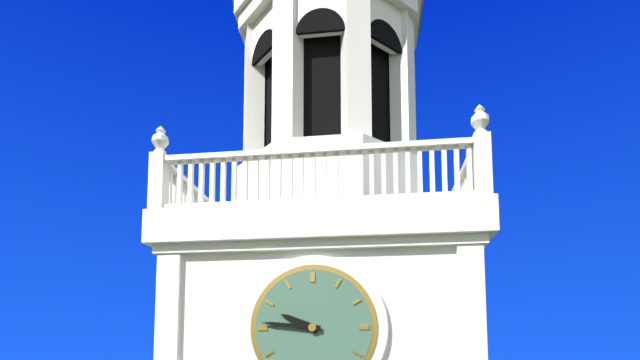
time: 9:46
